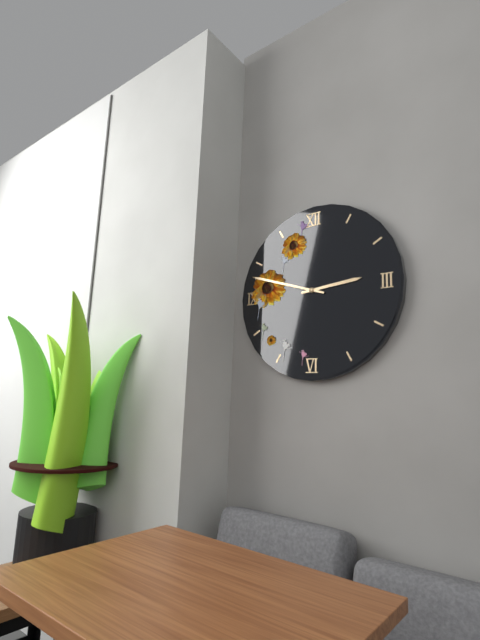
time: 2:48
